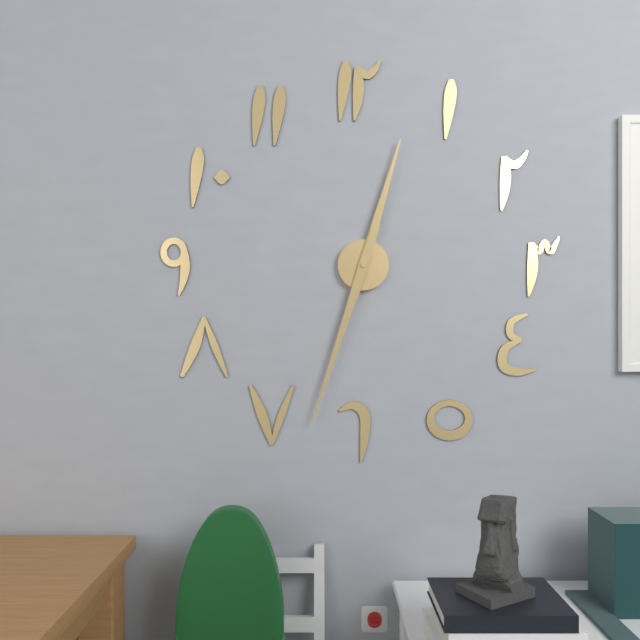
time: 12:33
